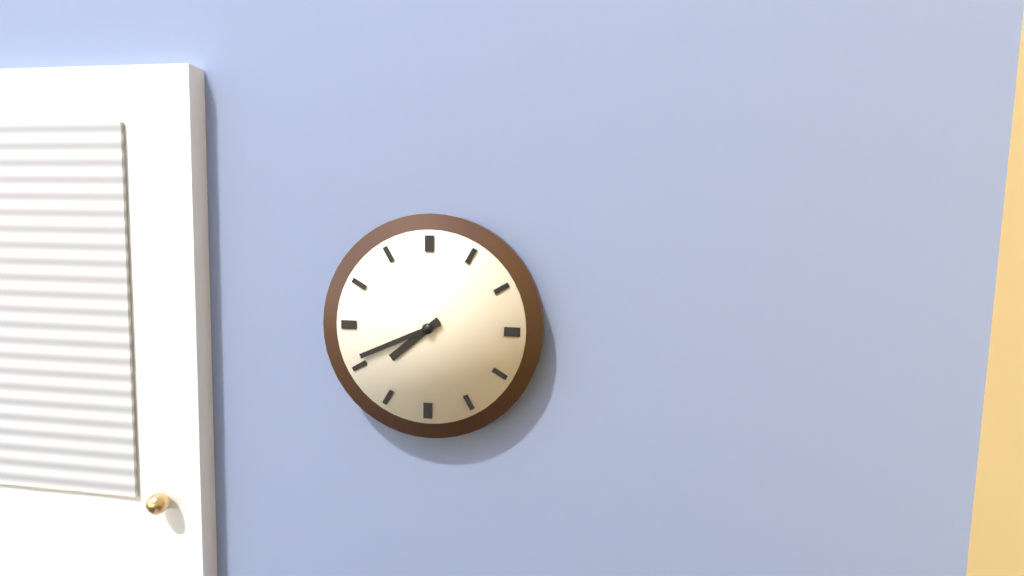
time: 7:41
